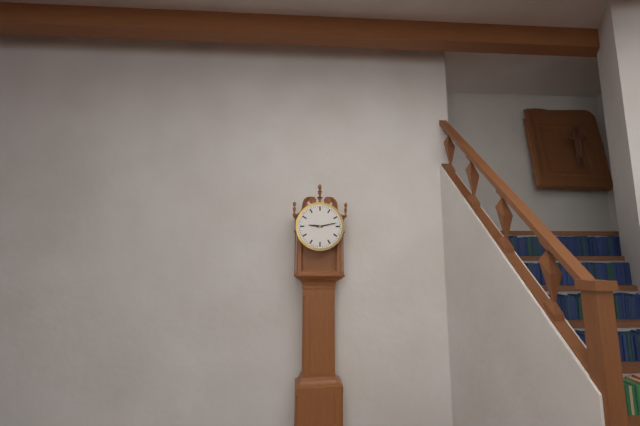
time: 9:13
